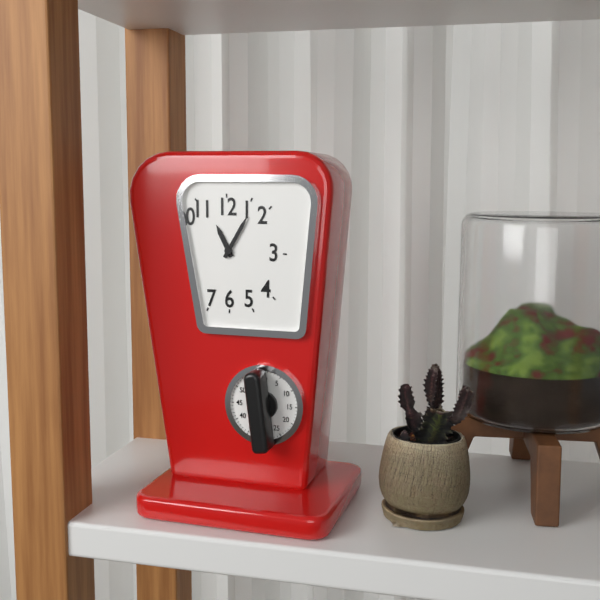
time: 11:05
